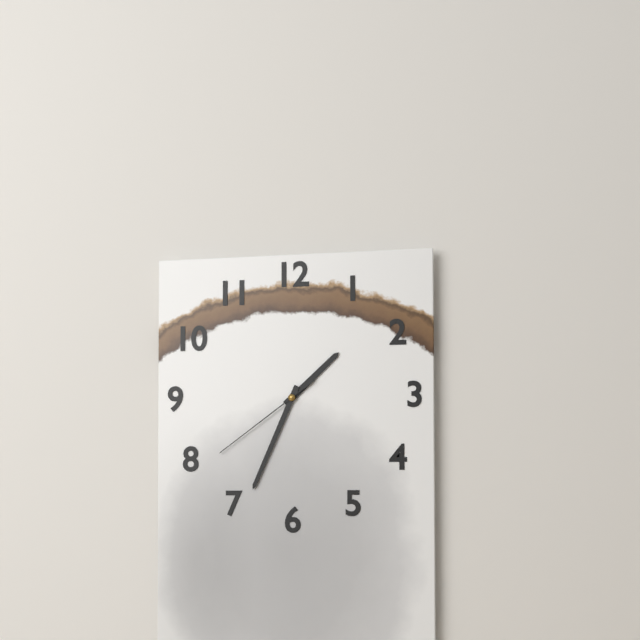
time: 1:34:39
